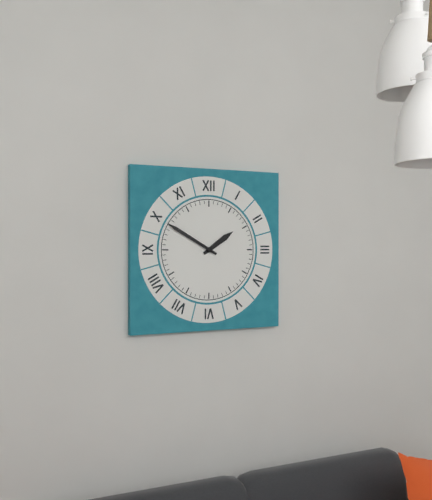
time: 1:50
